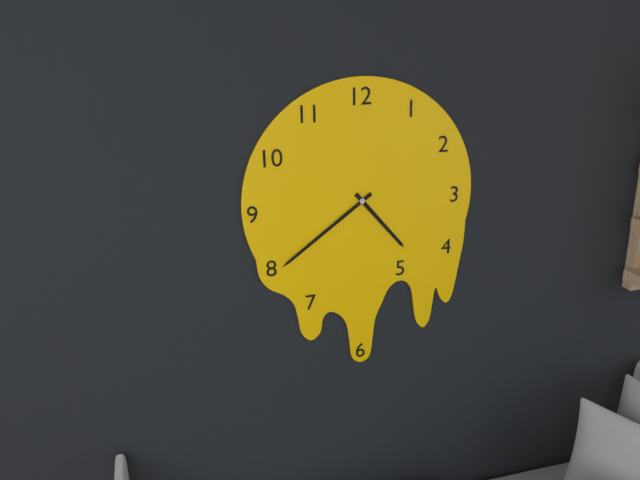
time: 4:39
